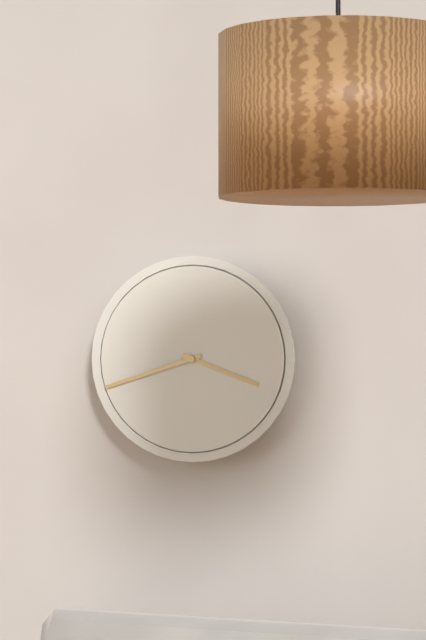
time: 3:42
